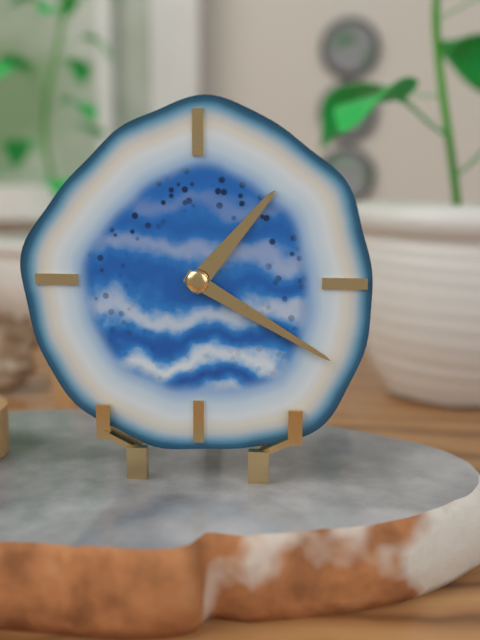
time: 1:20
